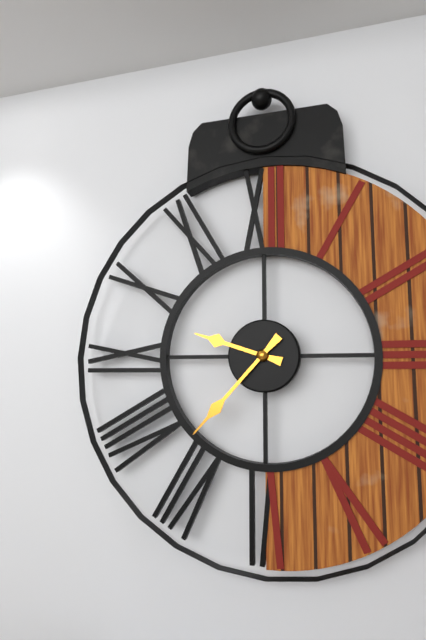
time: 9:37
